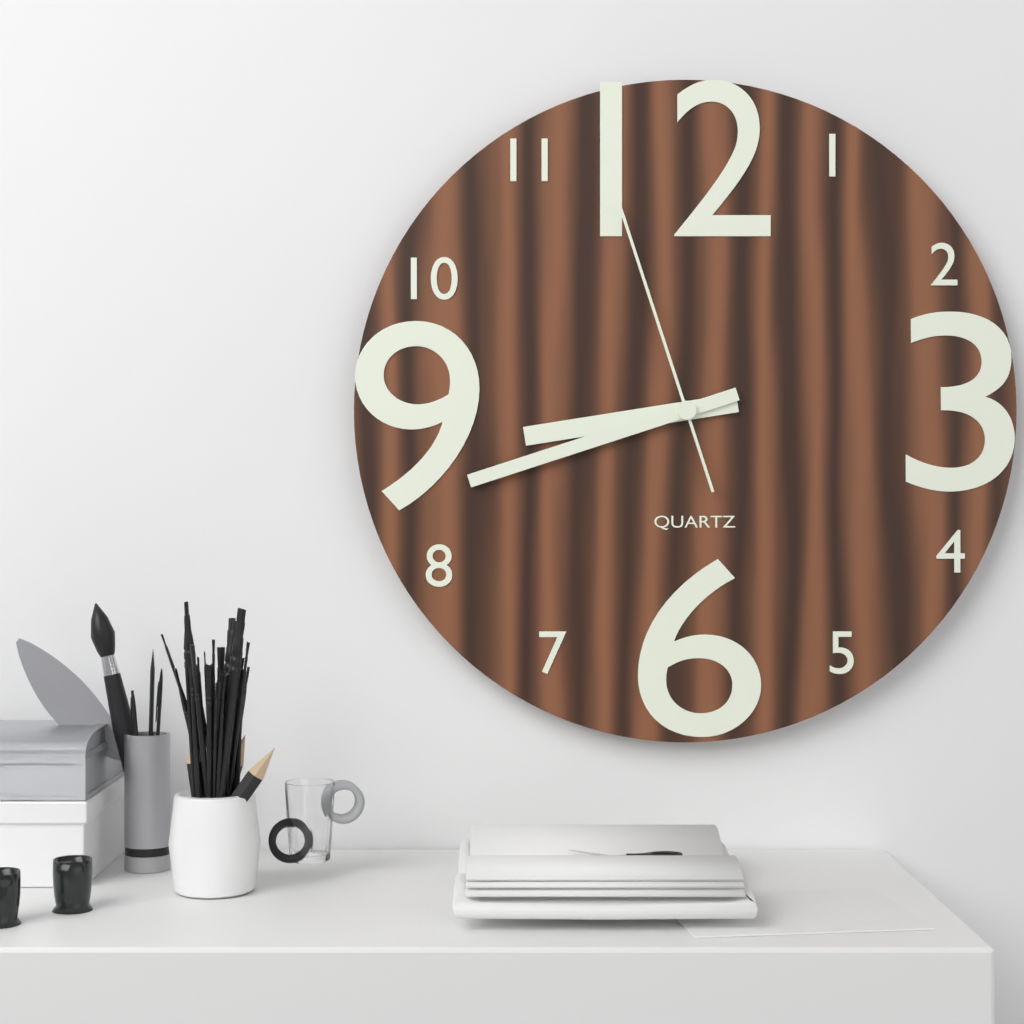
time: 8:42:57
